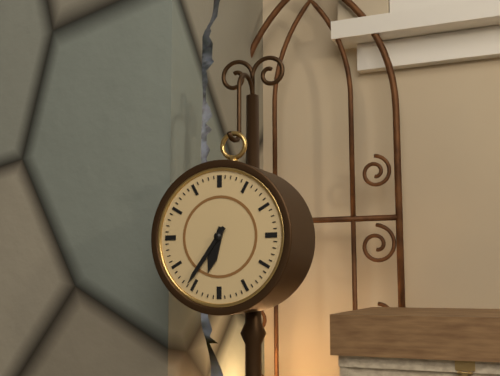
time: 6:36
